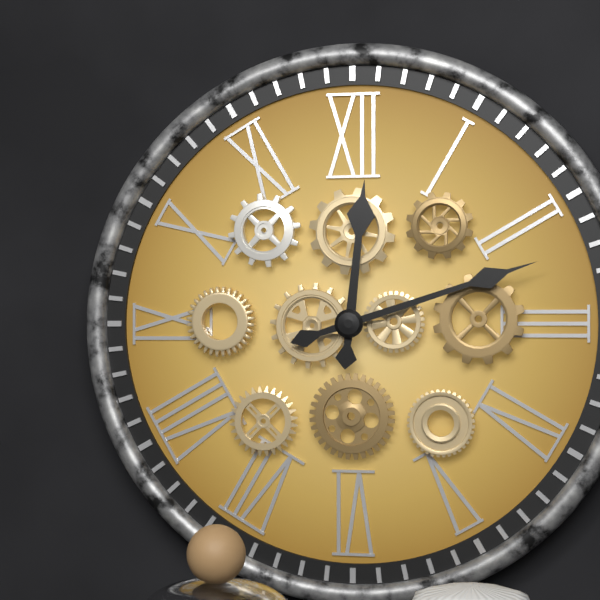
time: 12:12
